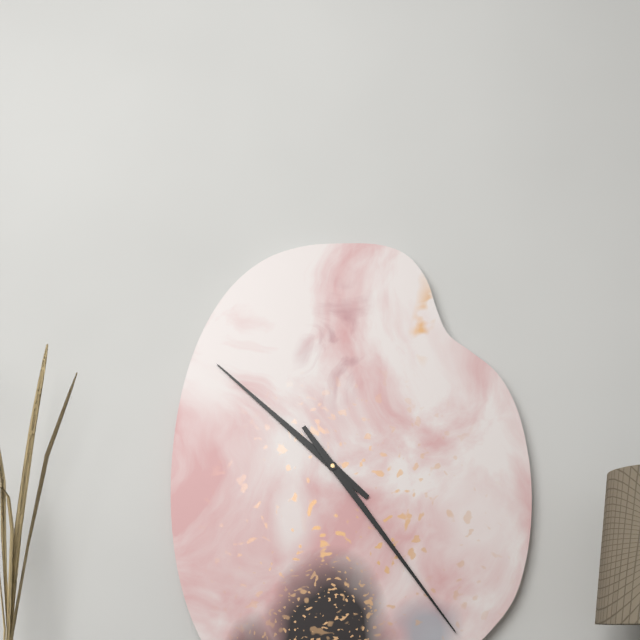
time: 10:24
